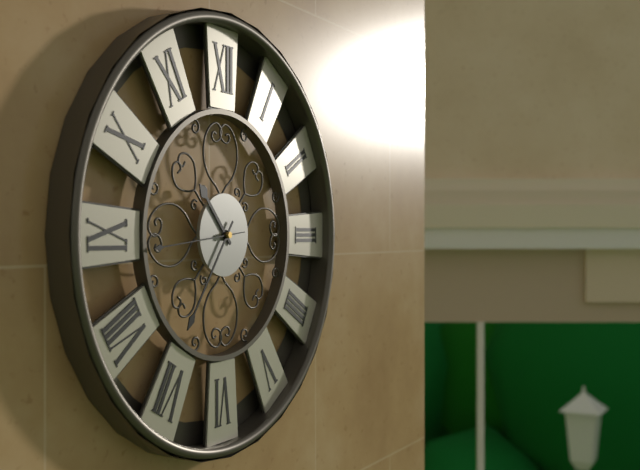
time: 10:36:44
